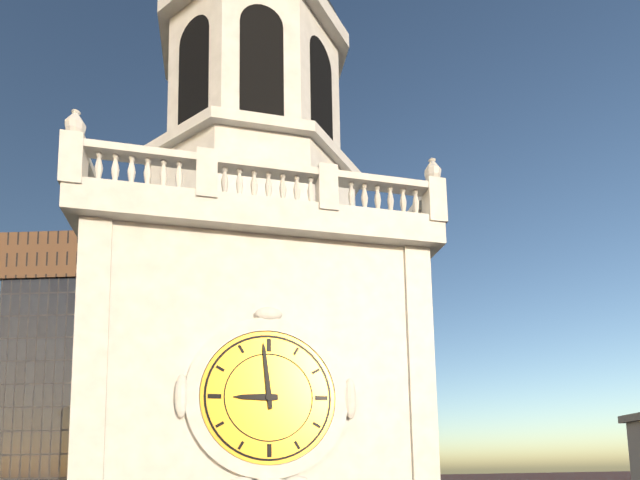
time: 8:59
